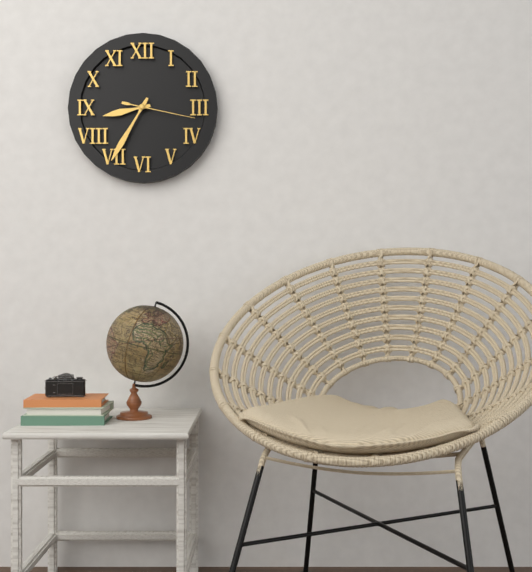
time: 8:35:17
